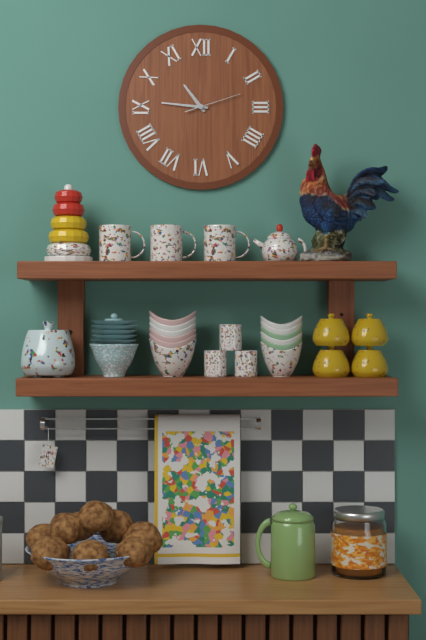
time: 10:46:12
